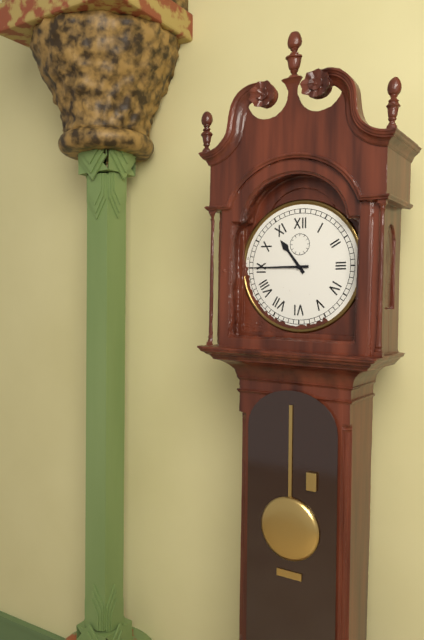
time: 10:45
